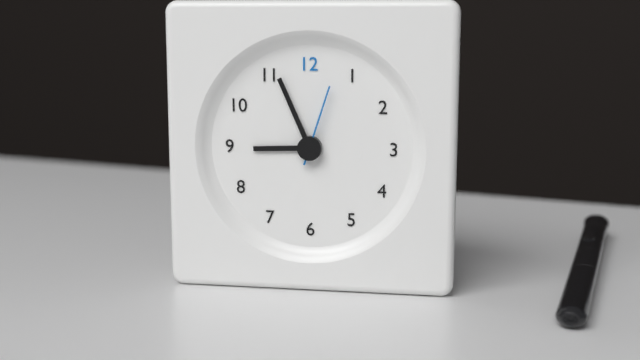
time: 8:56:03
